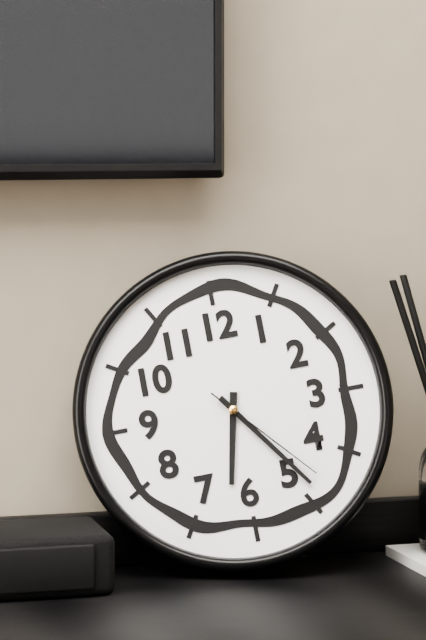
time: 6:24:23
